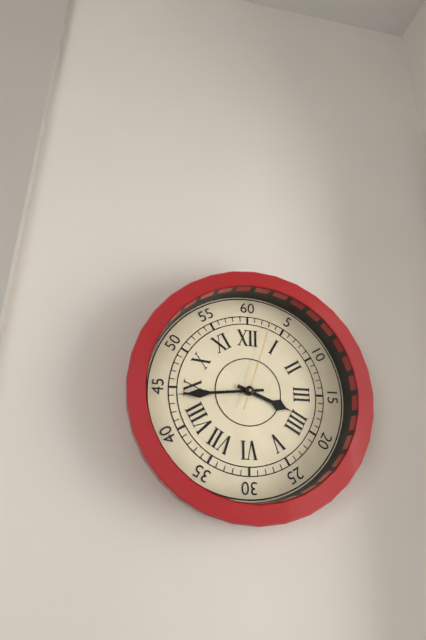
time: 3:44:03
